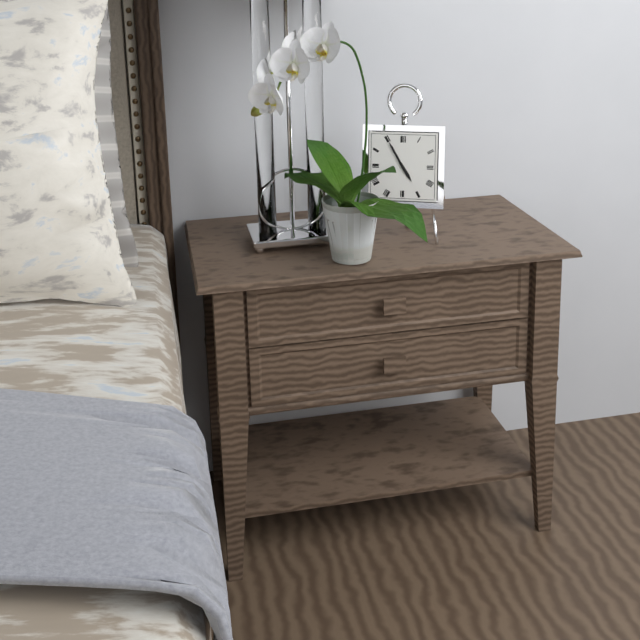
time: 4:55
